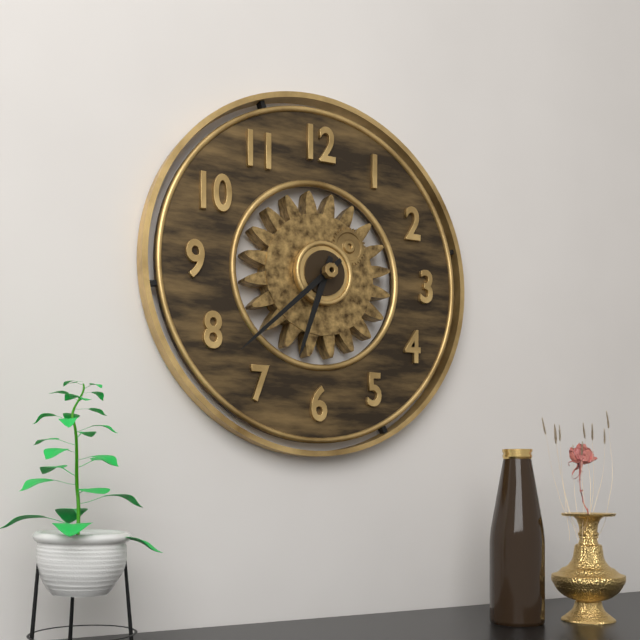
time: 6:38
